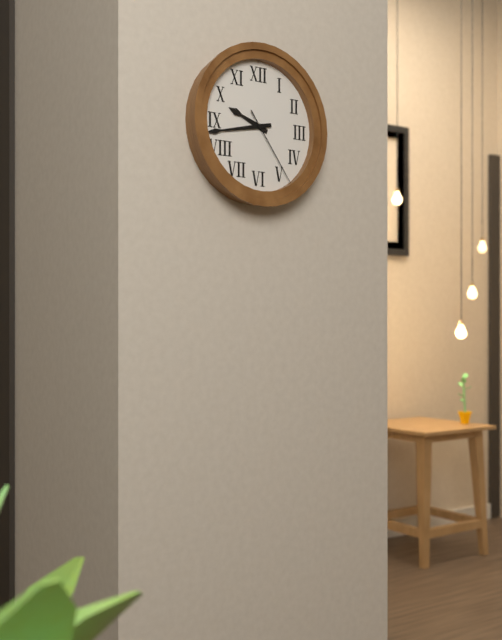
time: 9:43:24
